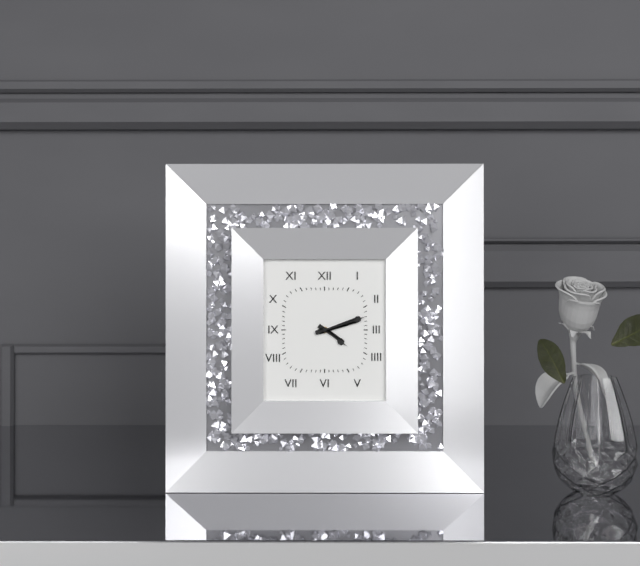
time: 4:12
